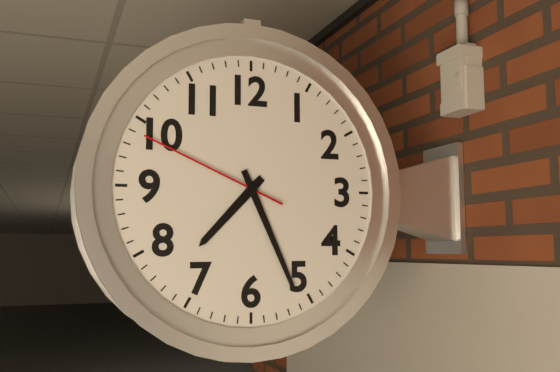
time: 7:26:49
